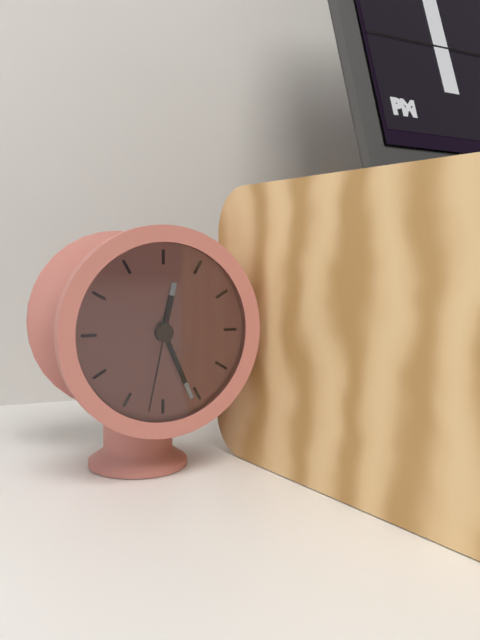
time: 12:26:32
